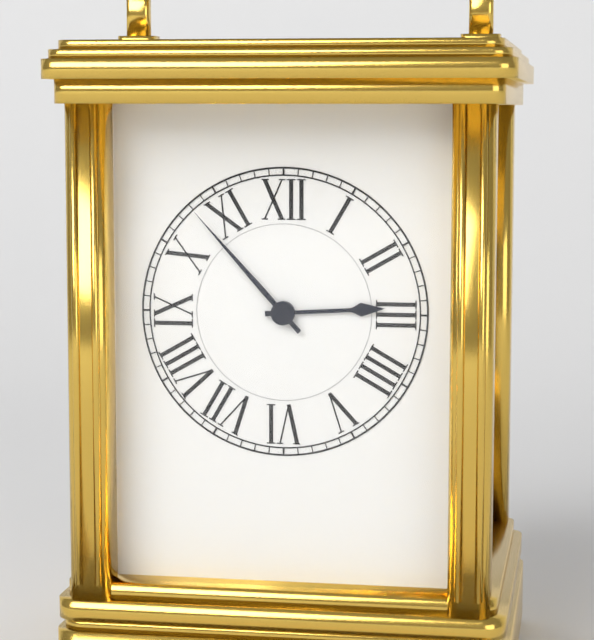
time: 2:53
